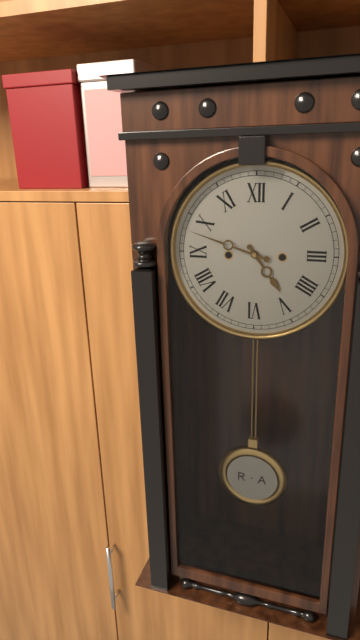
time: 4:48
